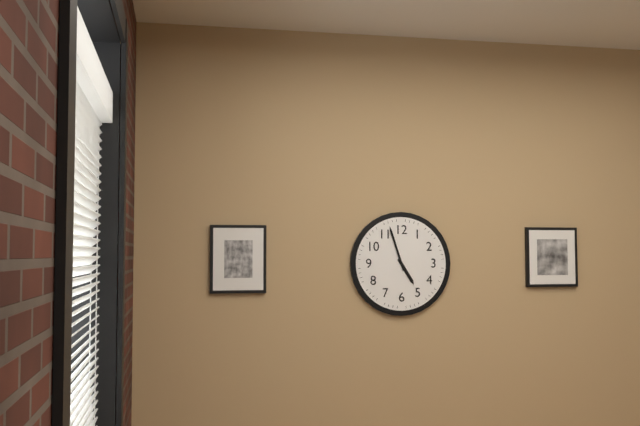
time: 4:57
